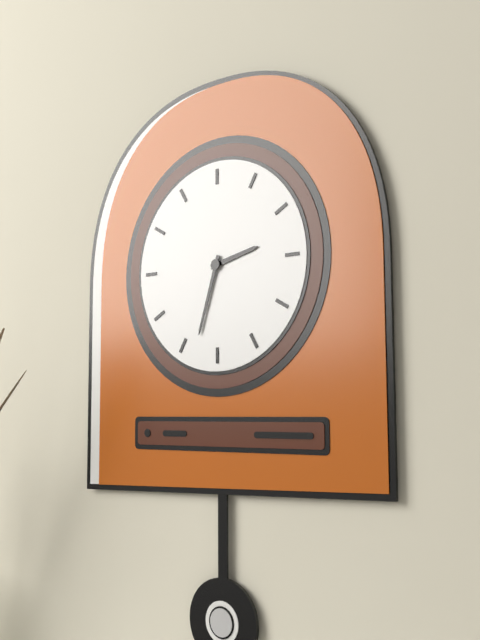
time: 2:33
